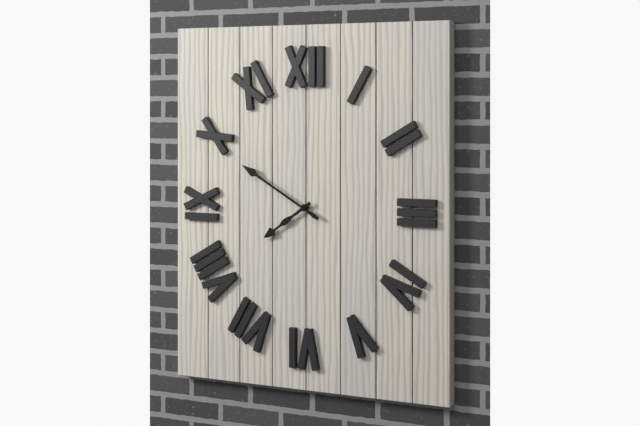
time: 7:50
